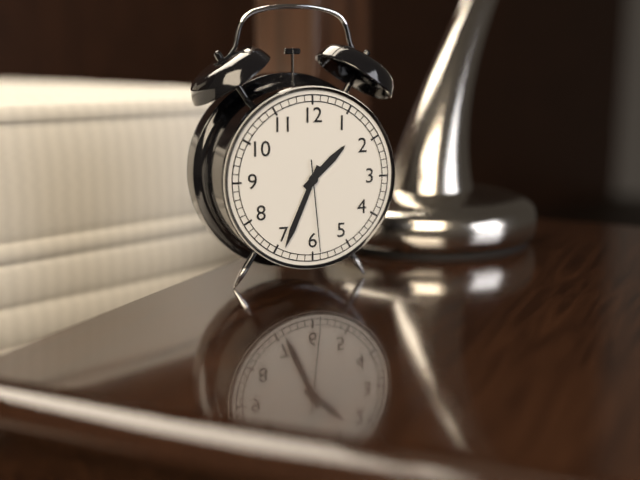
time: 1:34:29
